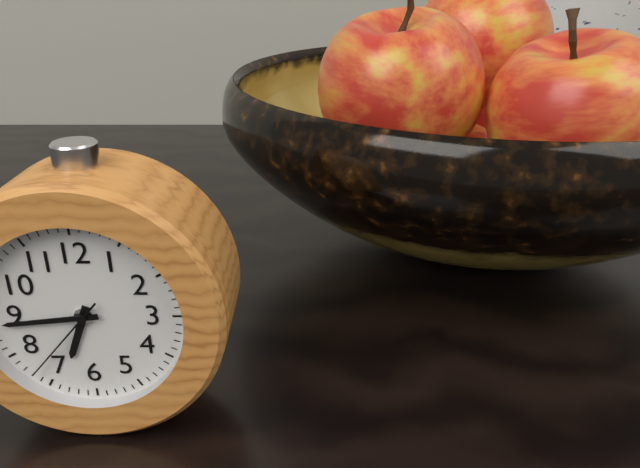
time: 6:44:37
